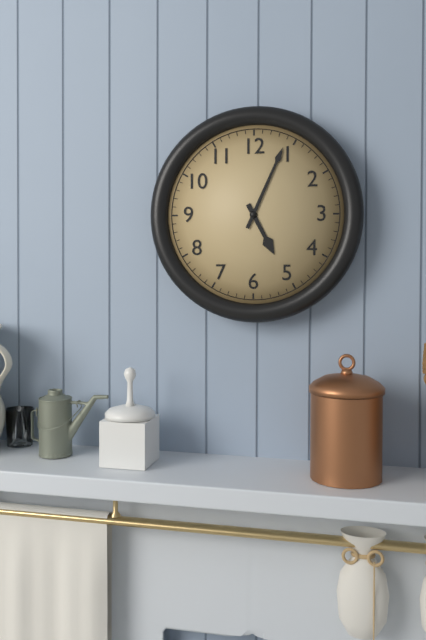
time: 5:04
